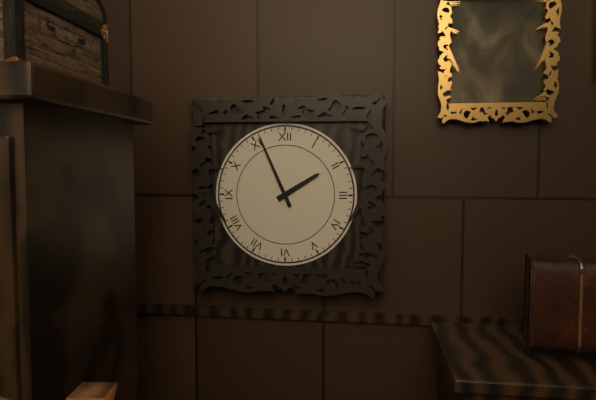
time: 1:56
